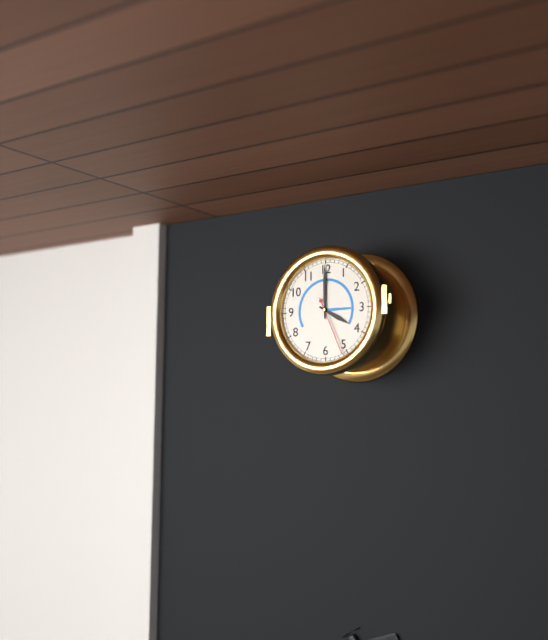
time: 4:00:26
